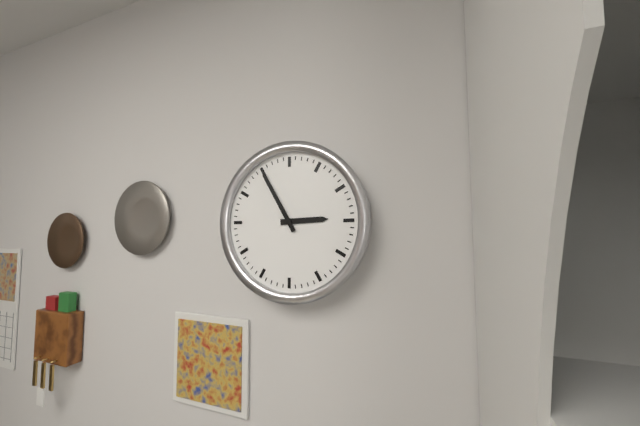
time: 2:55
